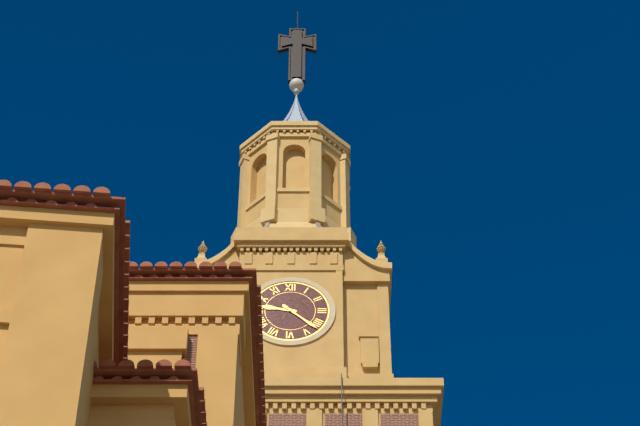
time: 9:22
